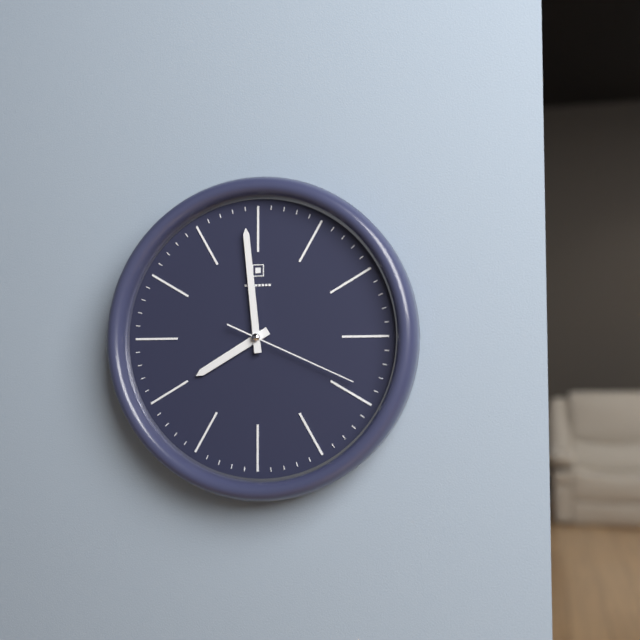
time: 7:59:19
